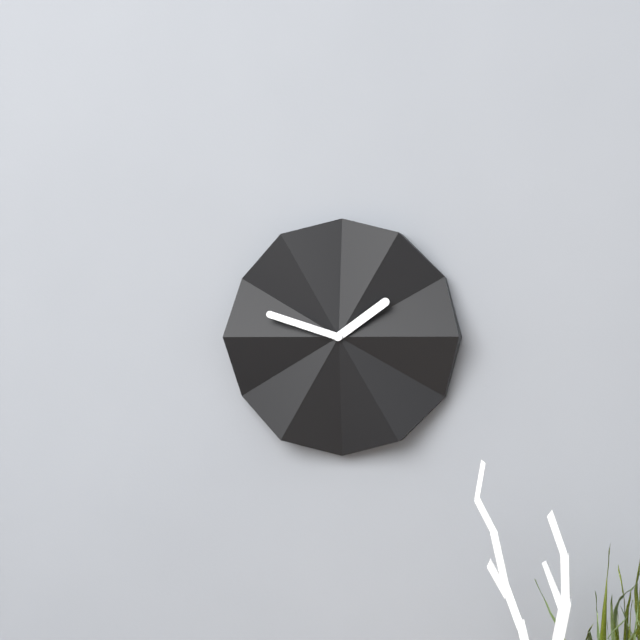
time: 1:48
